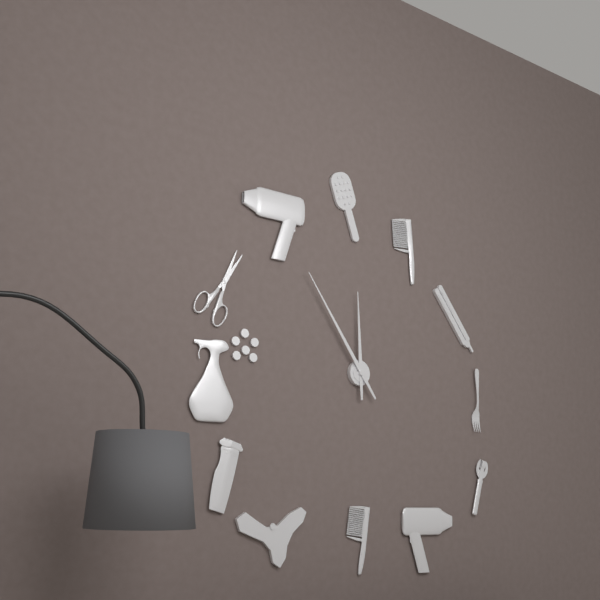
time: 11:54
